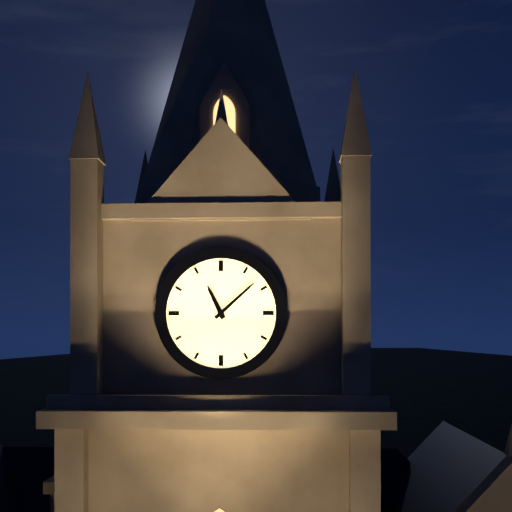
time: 11:08
